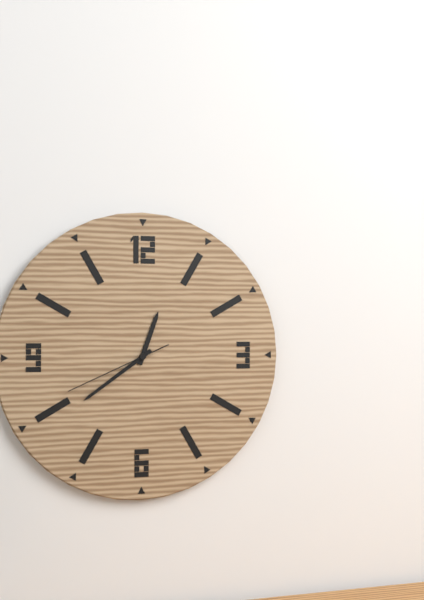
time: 12:39:41
